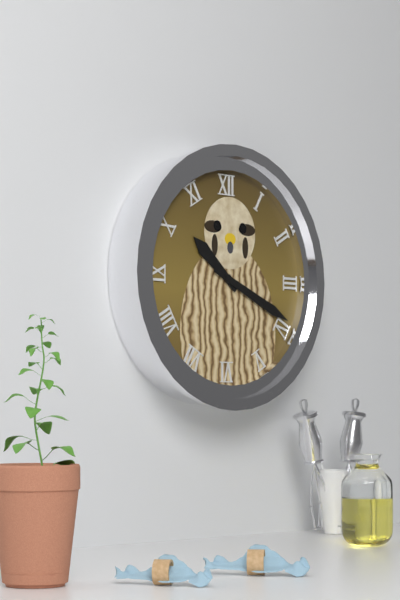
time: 10:19
